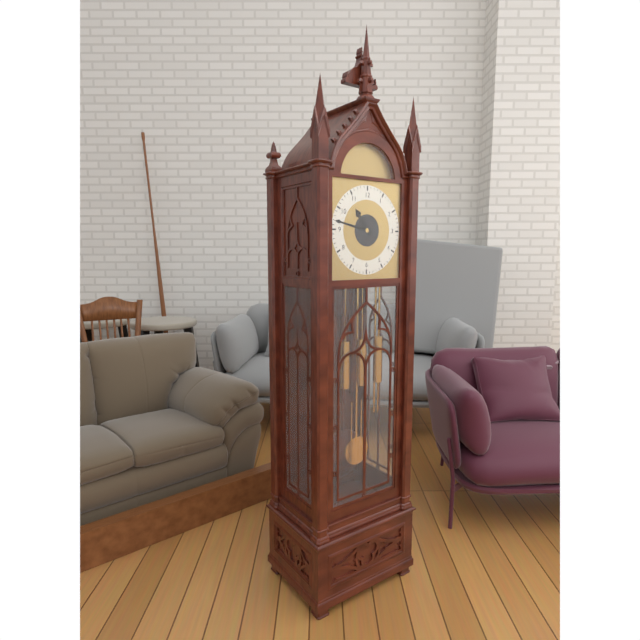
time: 10:47
